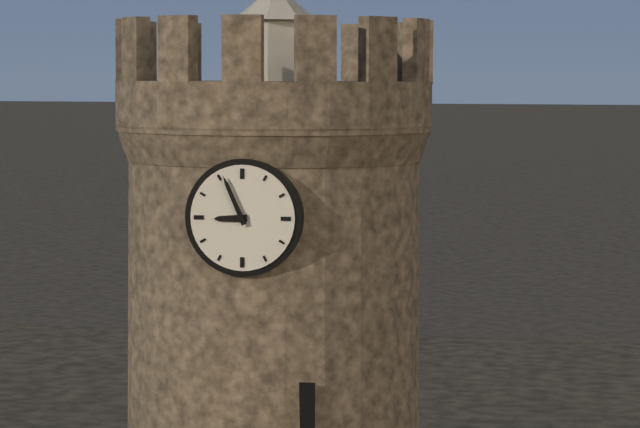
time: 8:56
